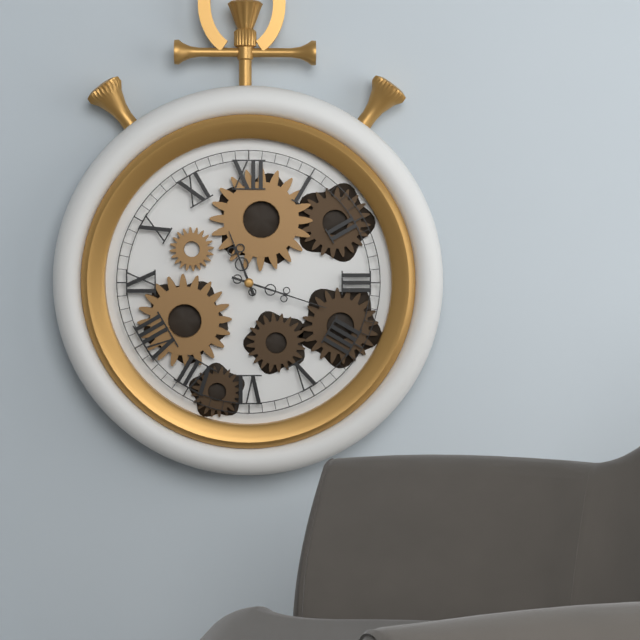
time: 11:18
